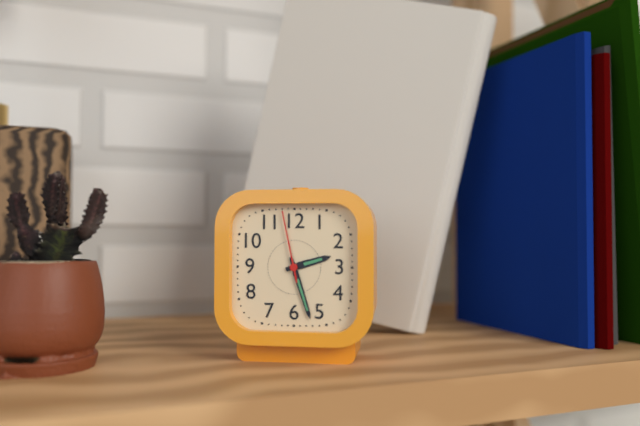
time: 2:27:58
